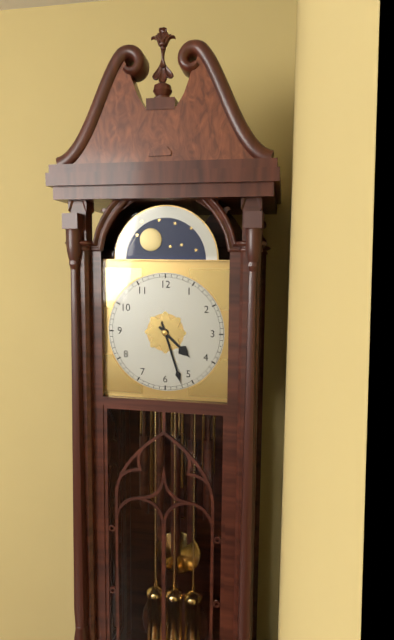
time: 4:27
